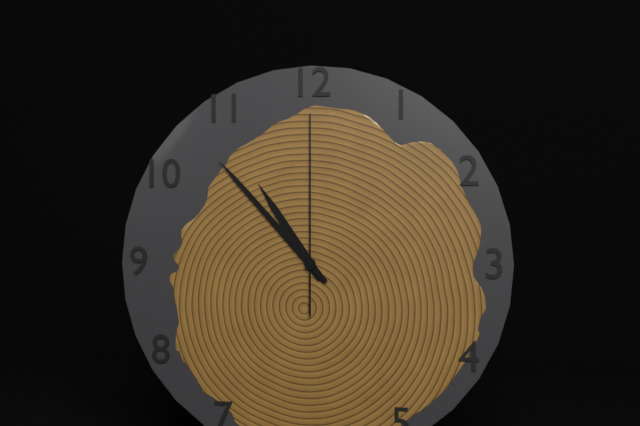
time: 10:53:00
